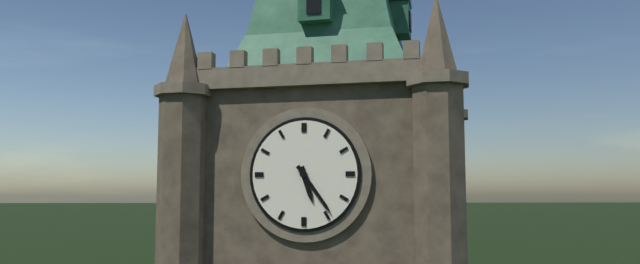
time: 5:24
